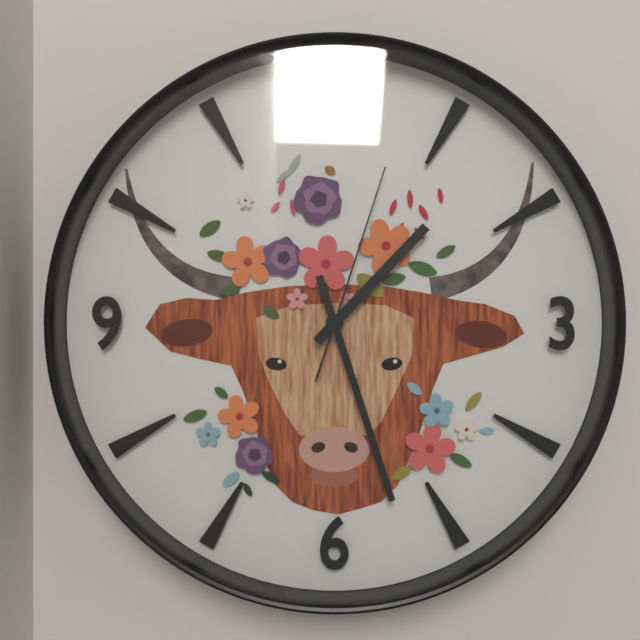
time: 1:27:03
